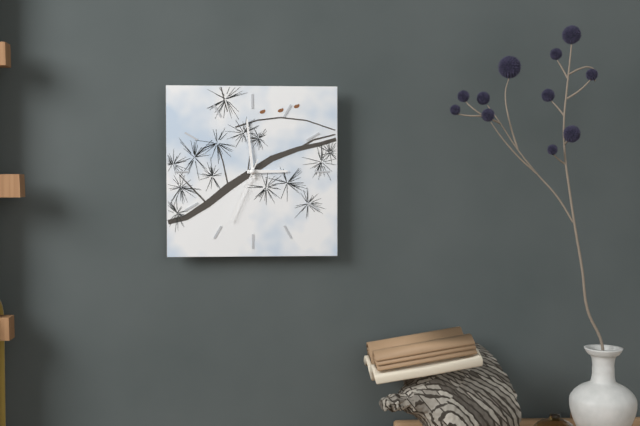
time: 2:59:34
